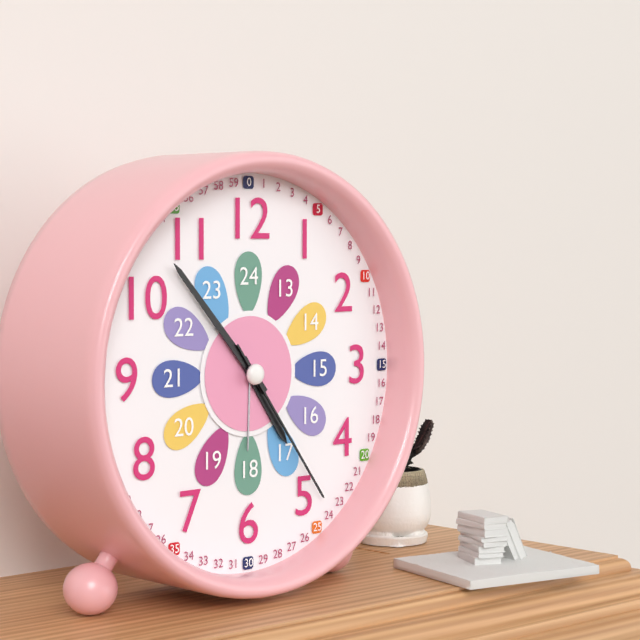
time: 4:53:24
